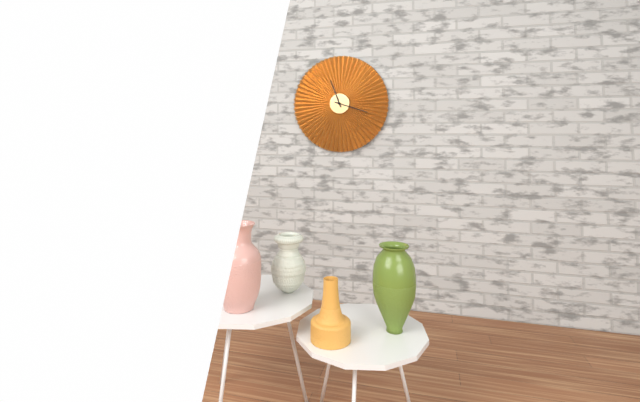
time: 11:18
